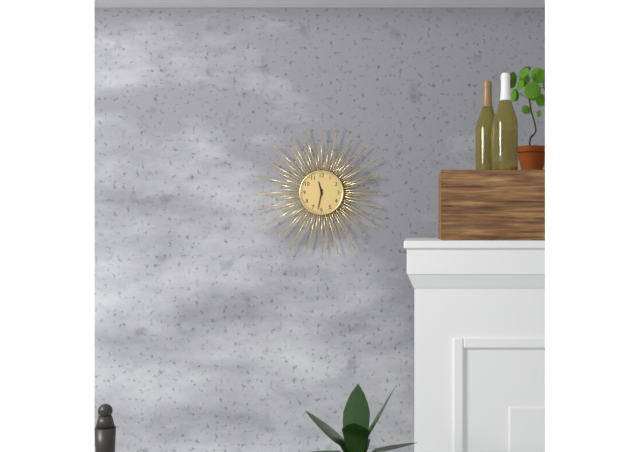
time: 11:32
